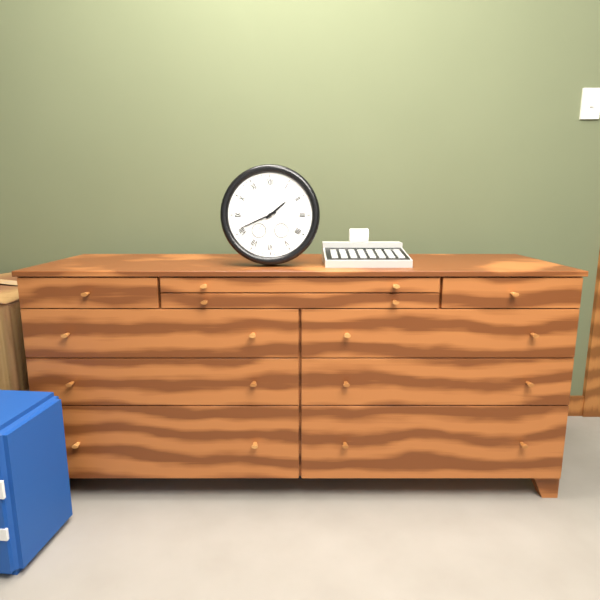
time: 1:41
